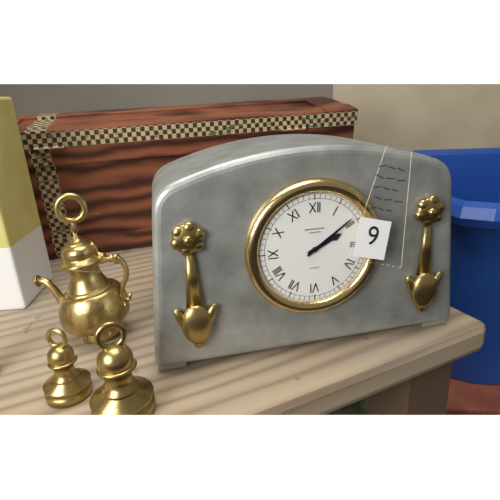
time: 2:09
